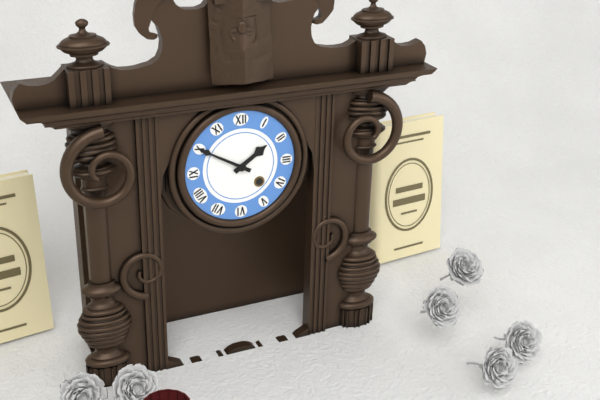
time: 1:50
